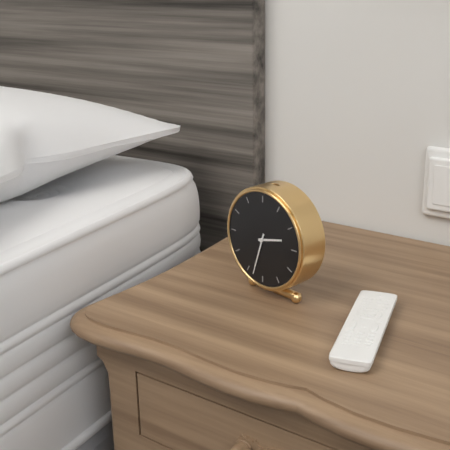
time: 2:33
